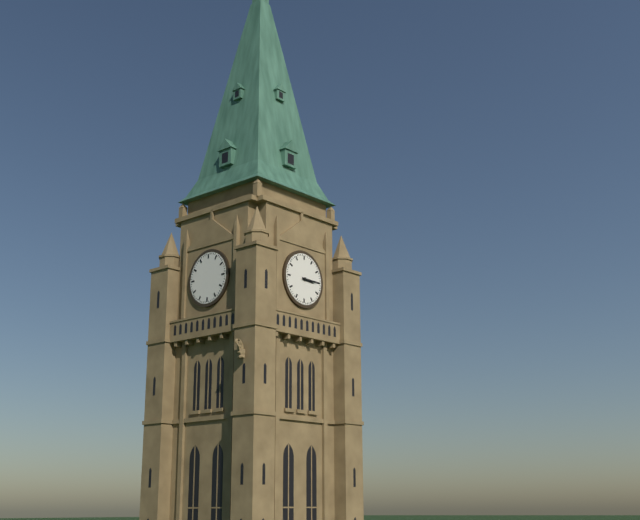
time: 3:15
